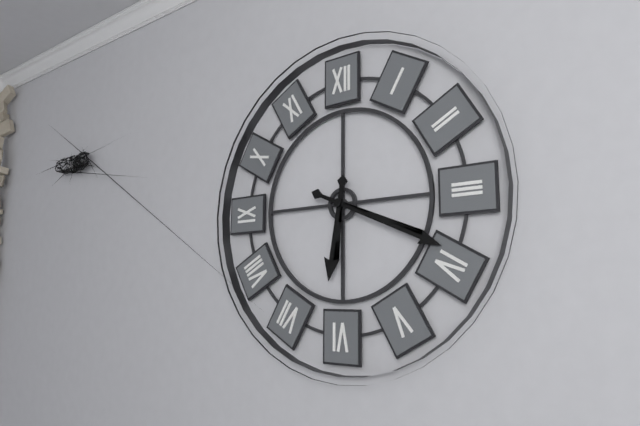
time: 6:19
